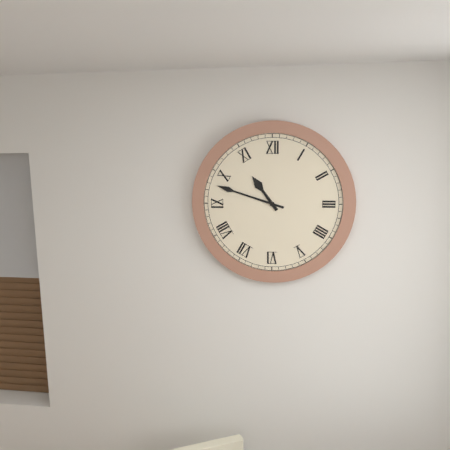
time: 10:48
